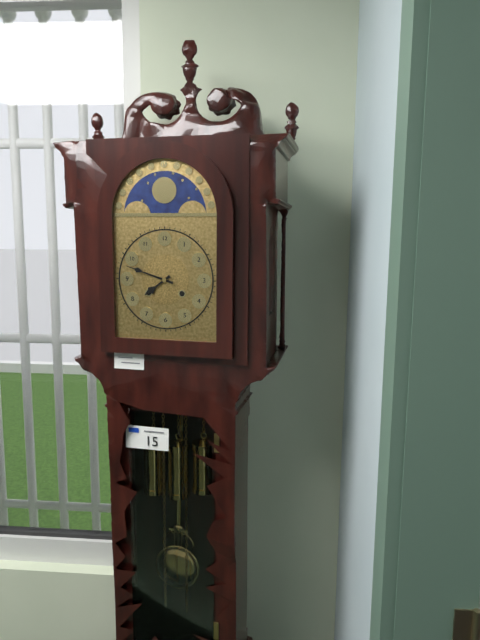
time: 7:48
